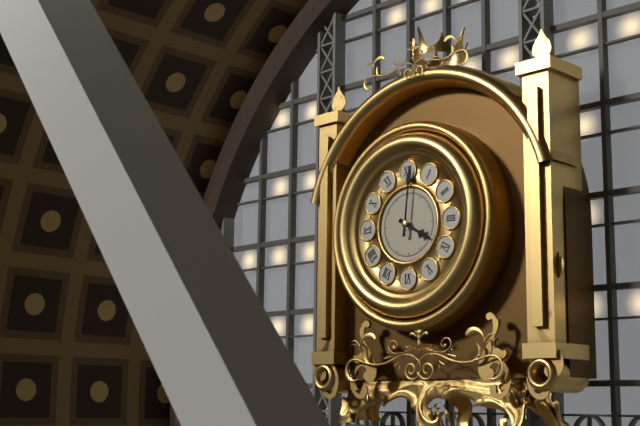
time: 4:01
